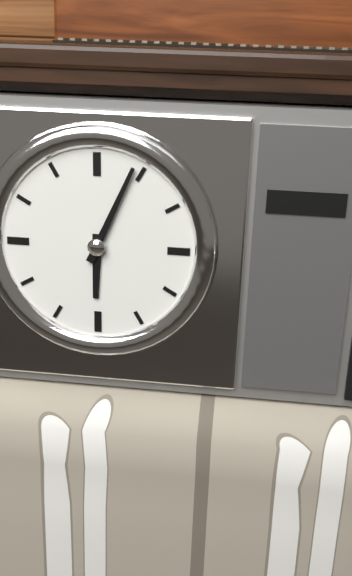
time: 6:04
